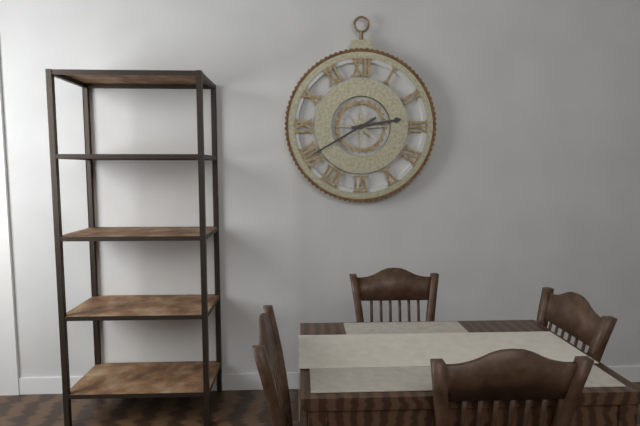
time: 2:40
